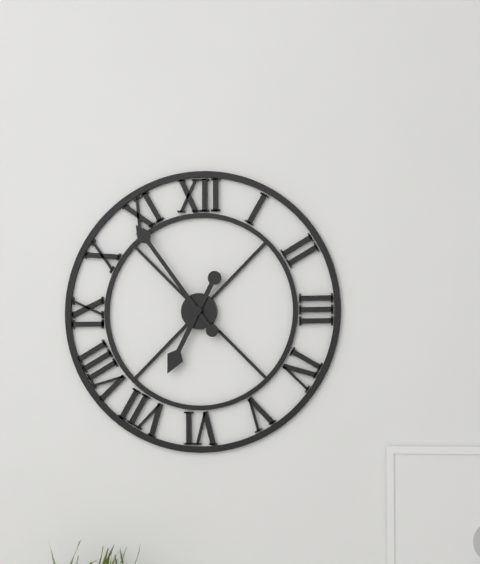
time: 6:54
